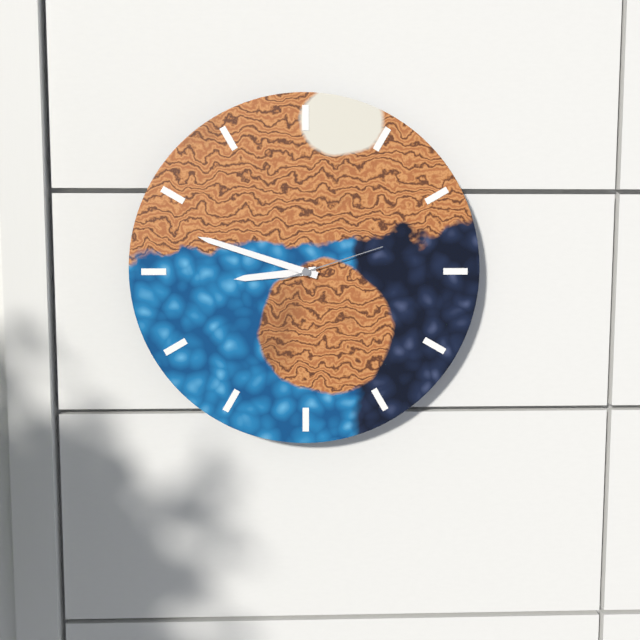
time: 8:48:12
